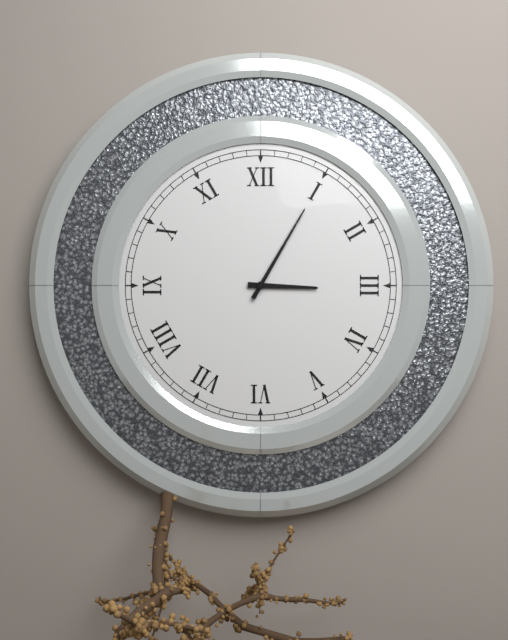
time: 3:05
